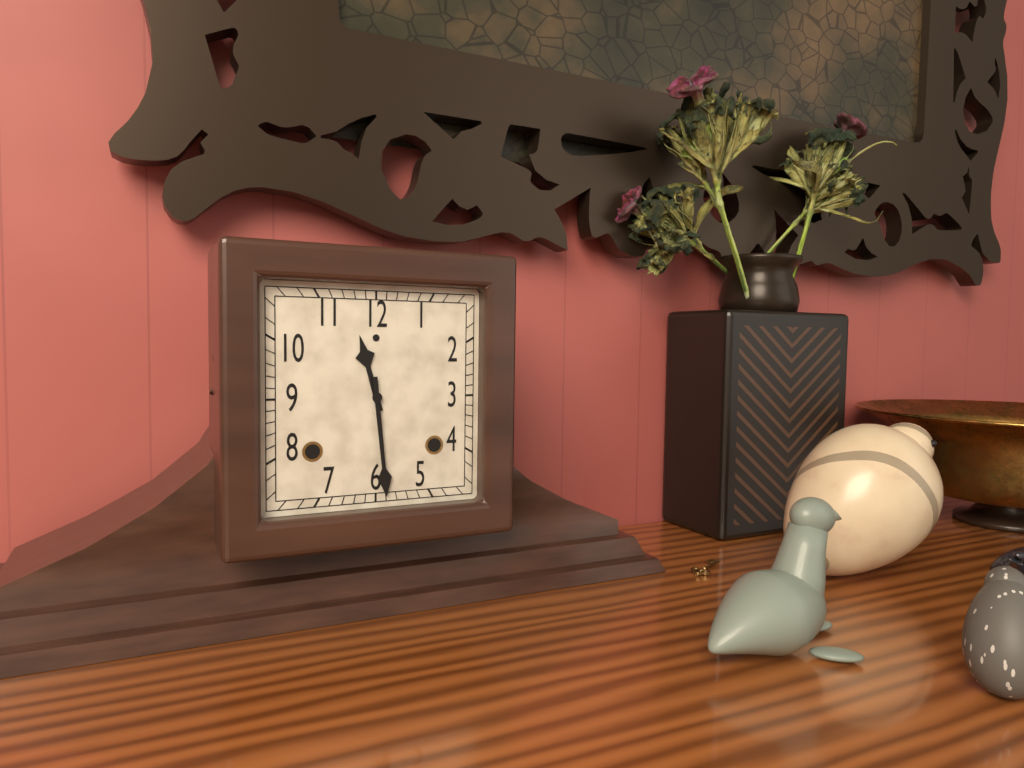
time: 11:29
